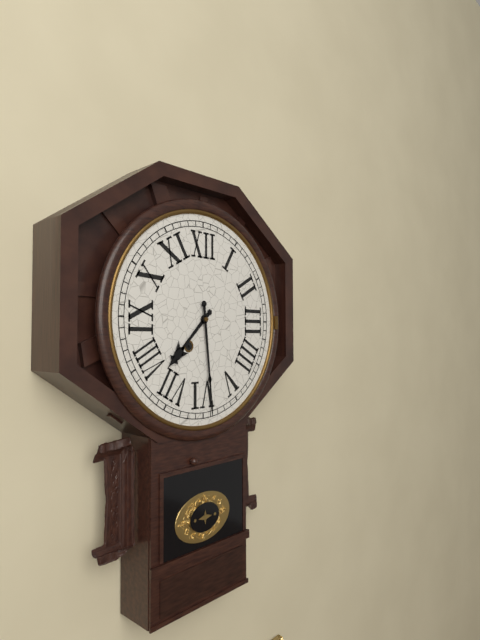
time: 7:29
